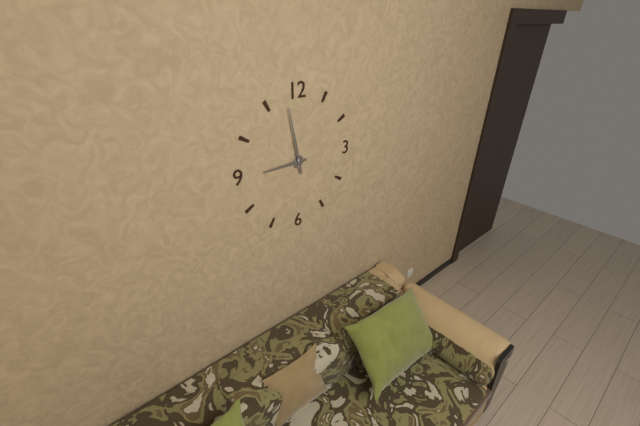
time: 8:58
